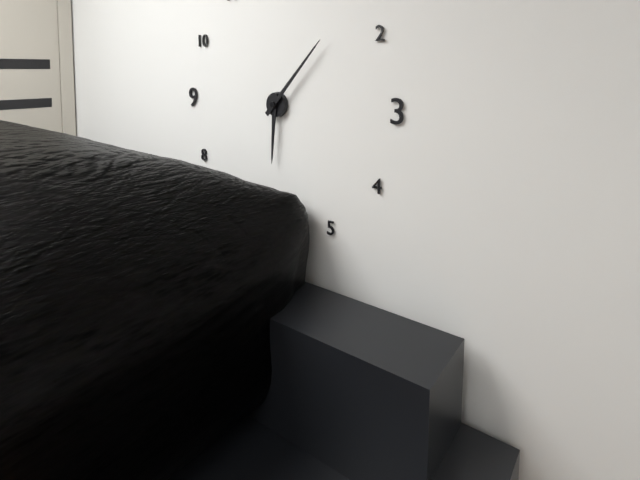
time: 6:07
